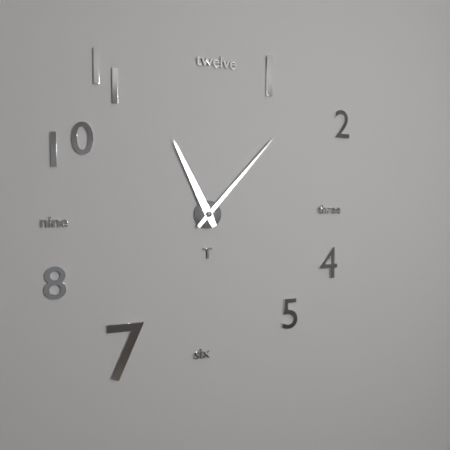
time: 11:07
